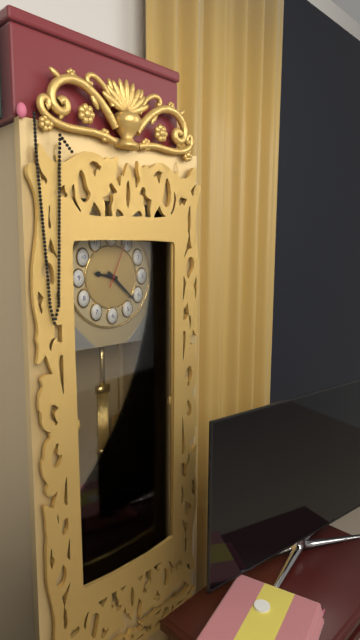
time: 9:22
